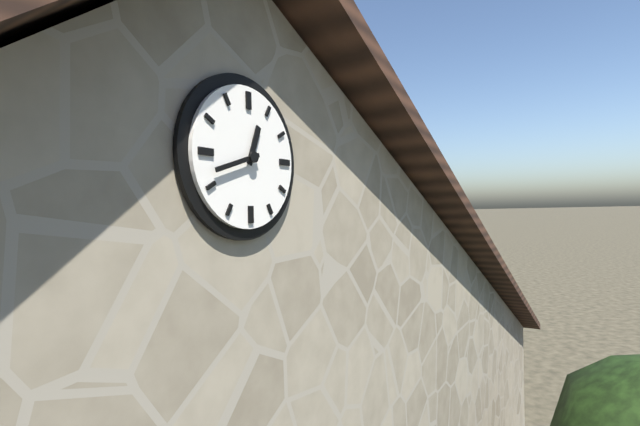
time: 12:42
